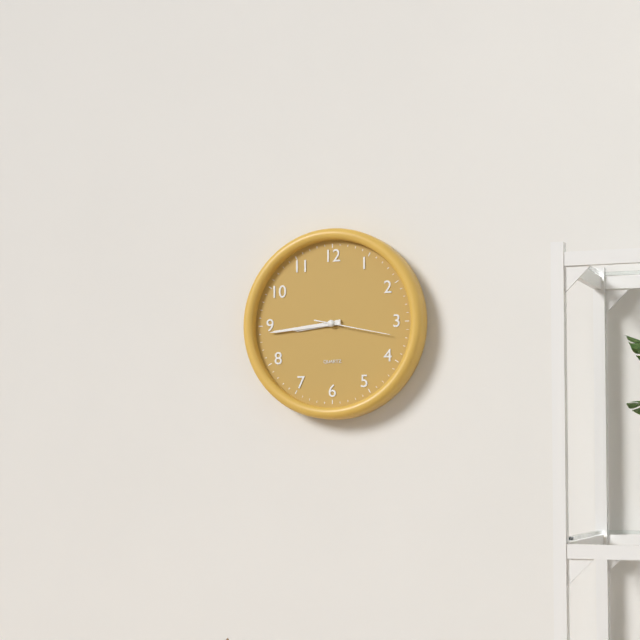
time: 8:44:17
